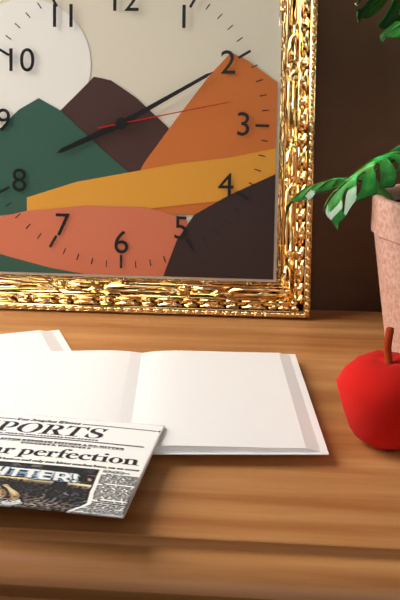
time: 8:10:13
